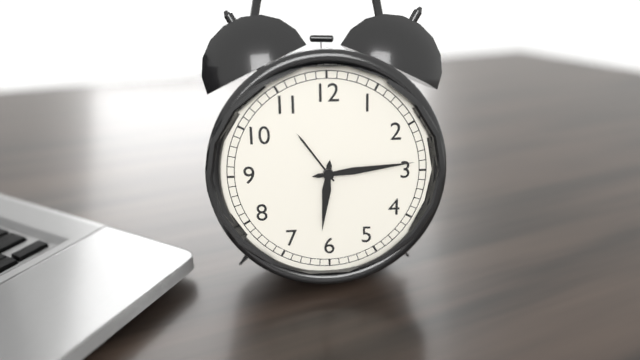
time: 6:14
